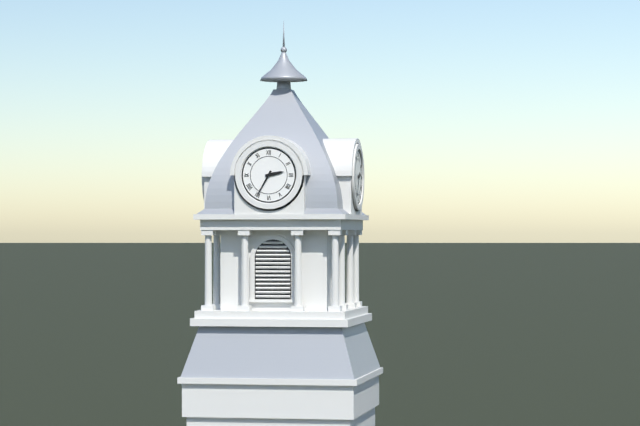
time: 2:35
